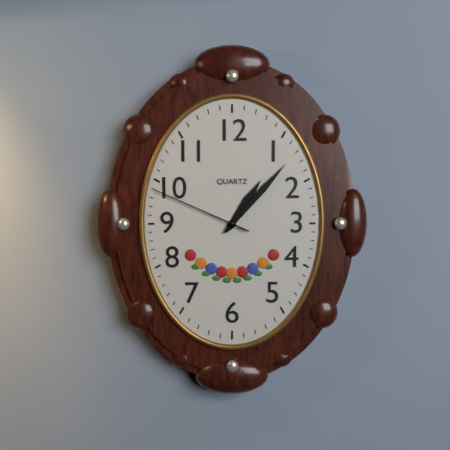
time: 1:07:49
